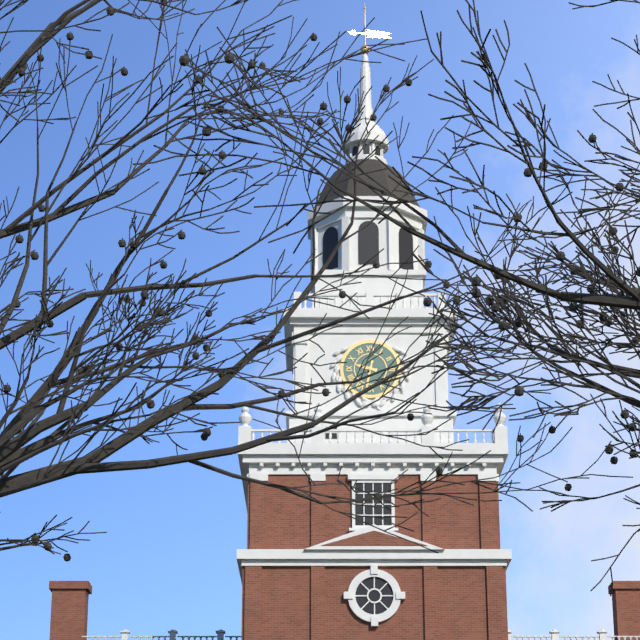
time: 9:32
